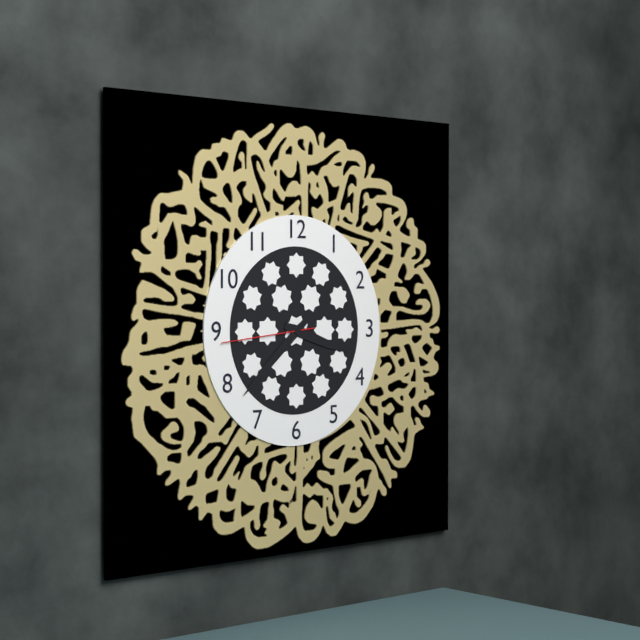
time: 3:38:44
